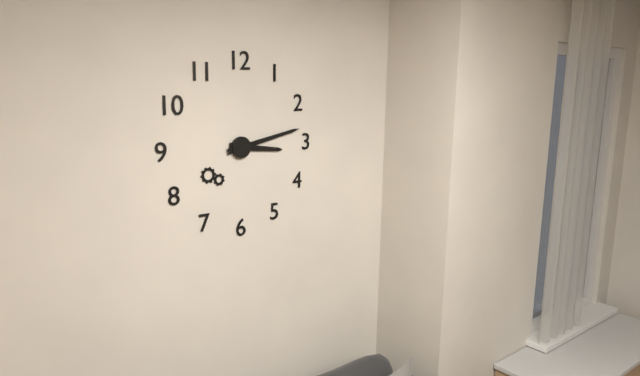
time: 3:13
